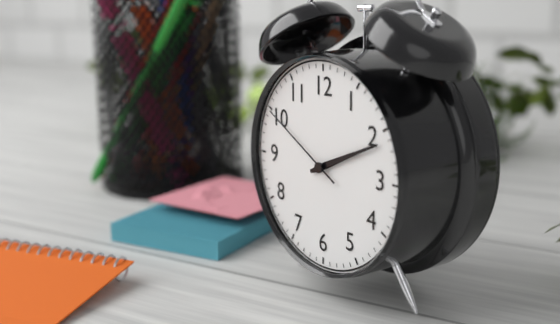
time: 2:11:50
